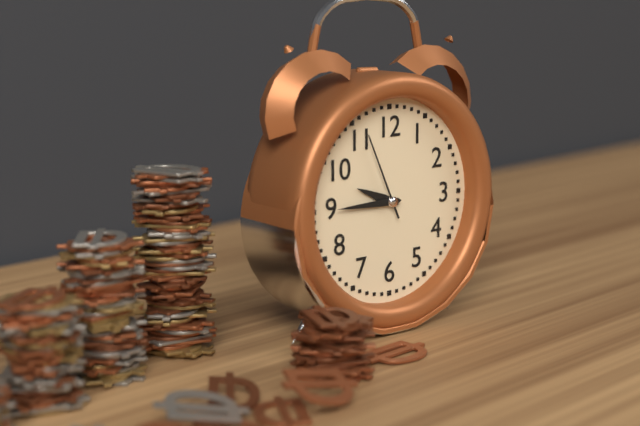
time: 9:45:56
